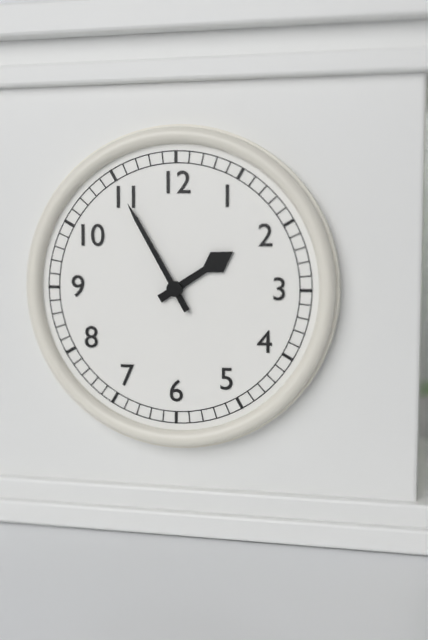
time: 1:55
